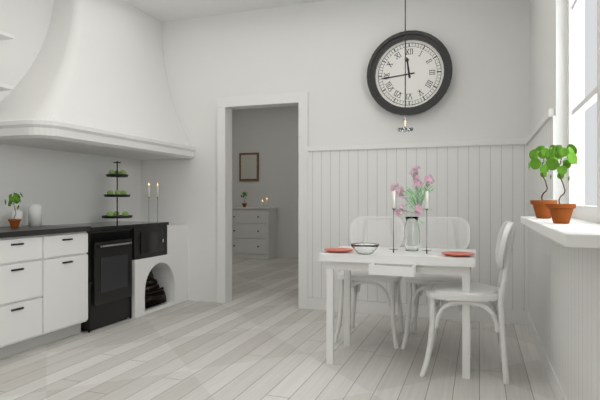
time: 11:44
